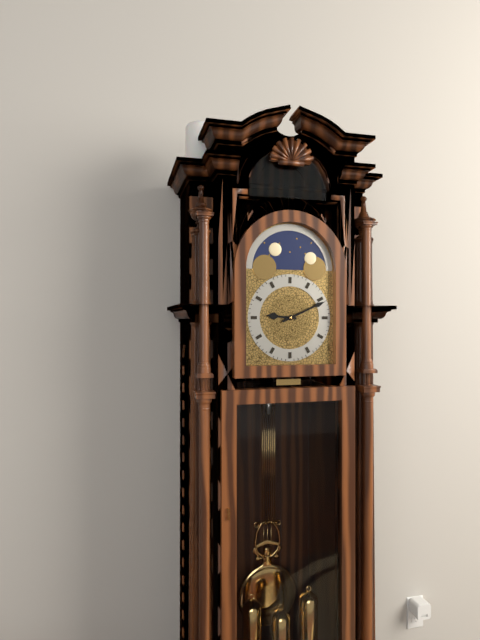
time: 9:11
